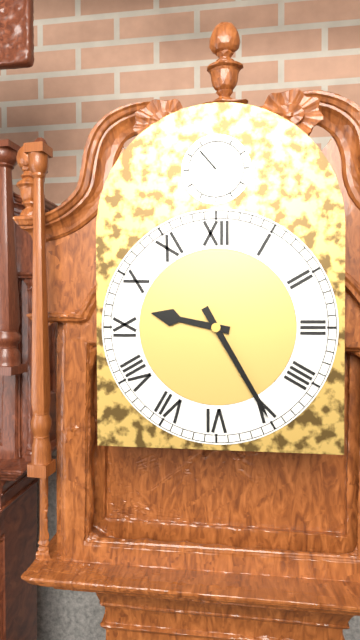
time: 9:25
